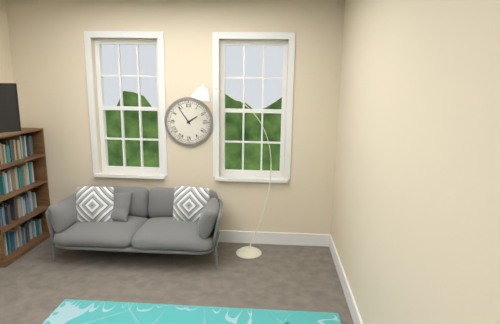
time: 1:54
